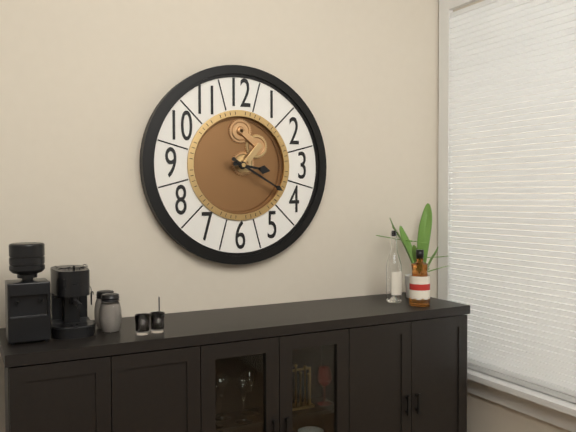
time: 3:20
